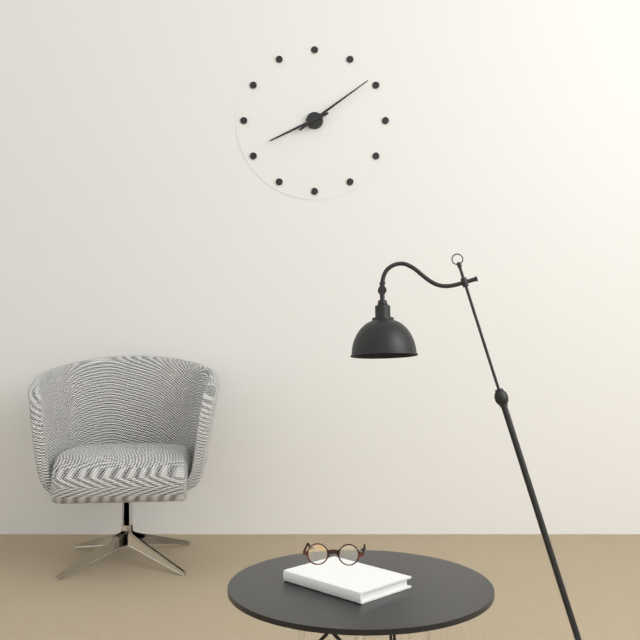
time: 8:09
